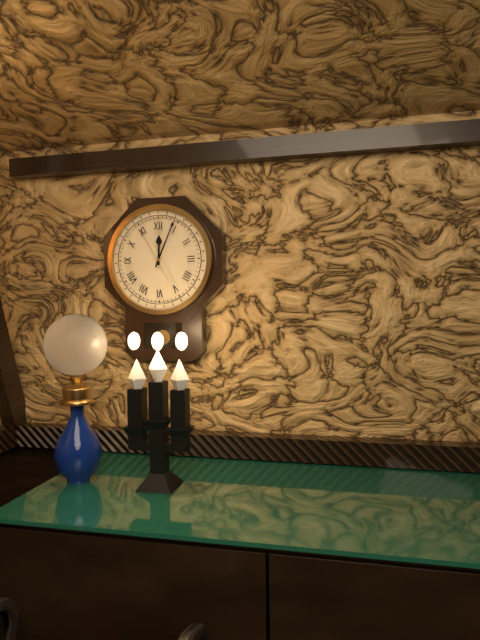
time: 12:04
